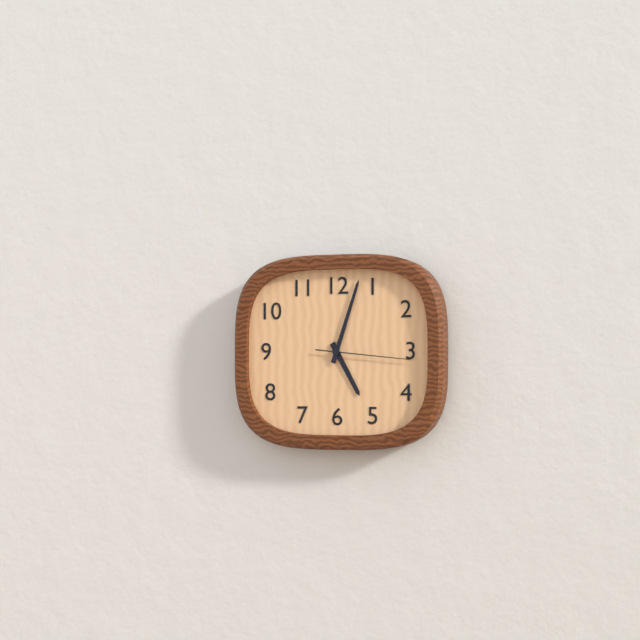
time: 5:03:16
